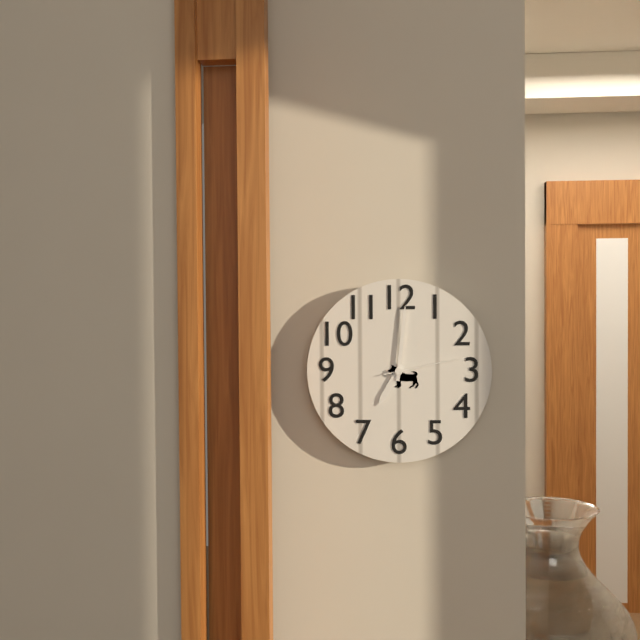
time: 7:01:13
